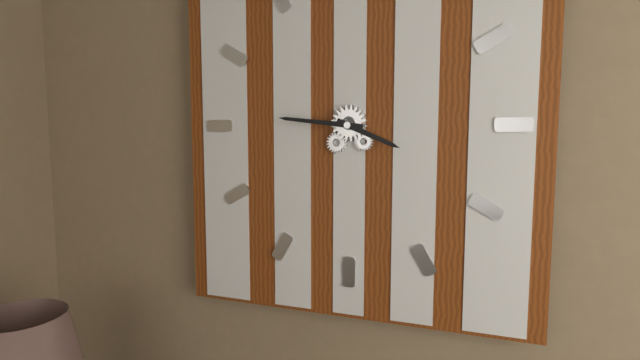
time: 3:46
